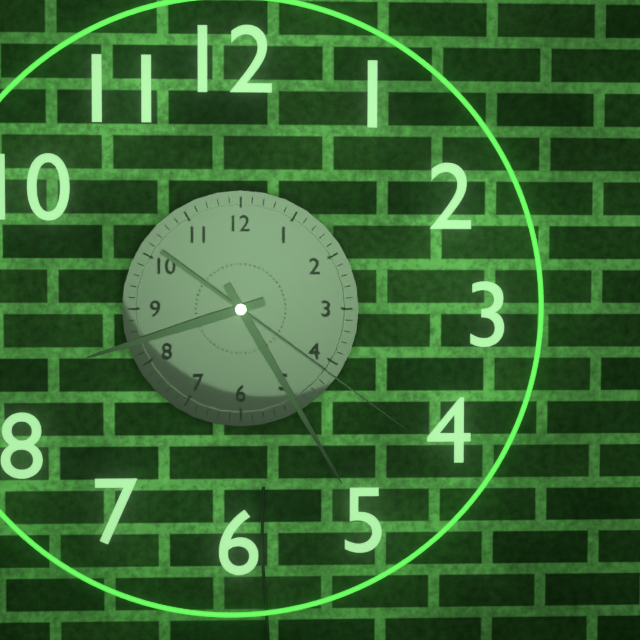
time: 8:25:21
